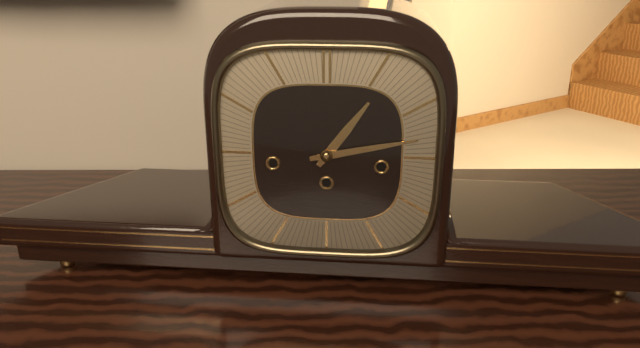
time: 1:13
